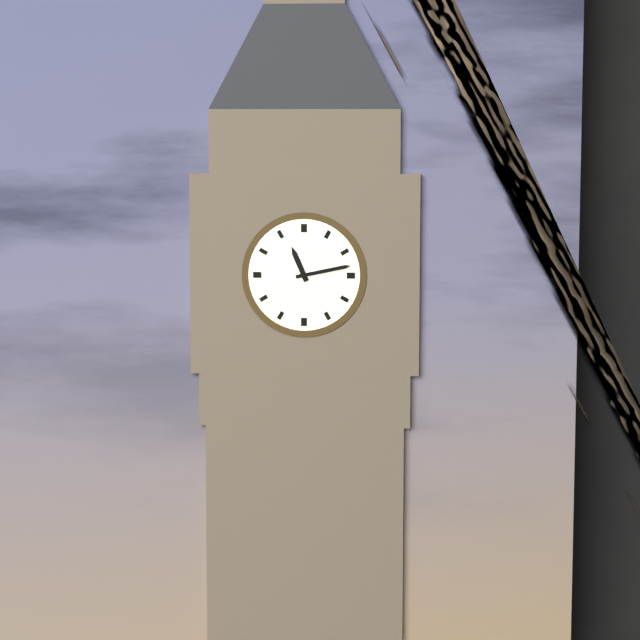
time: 11:13
